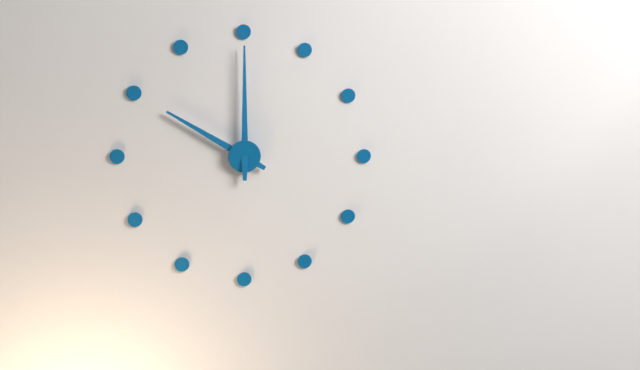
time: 10:00
